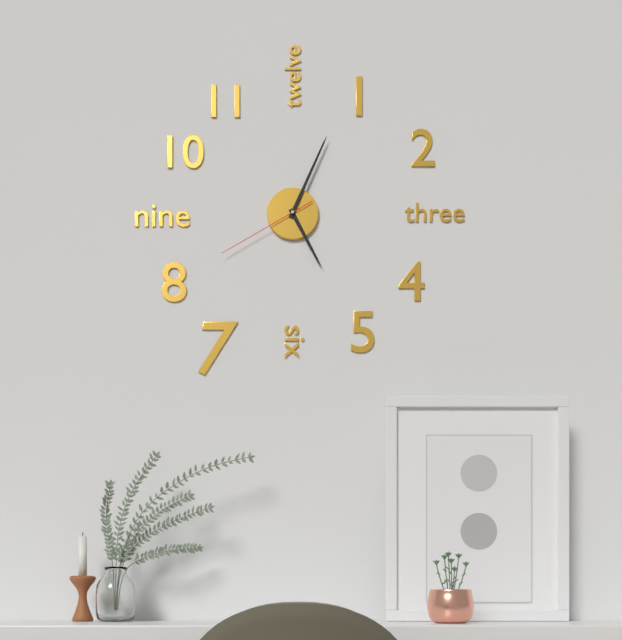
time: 5:04:40
